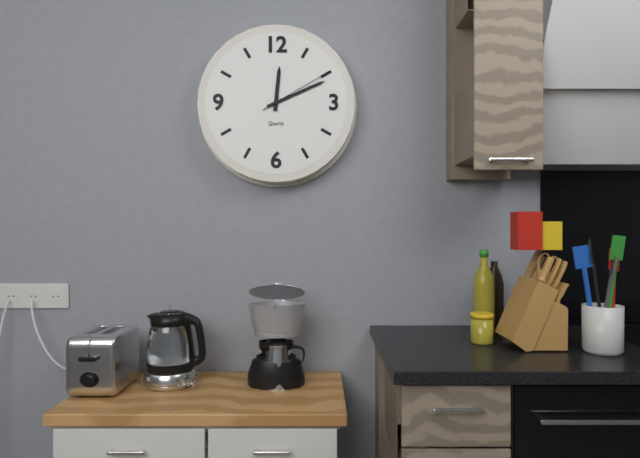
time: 12:11:10
